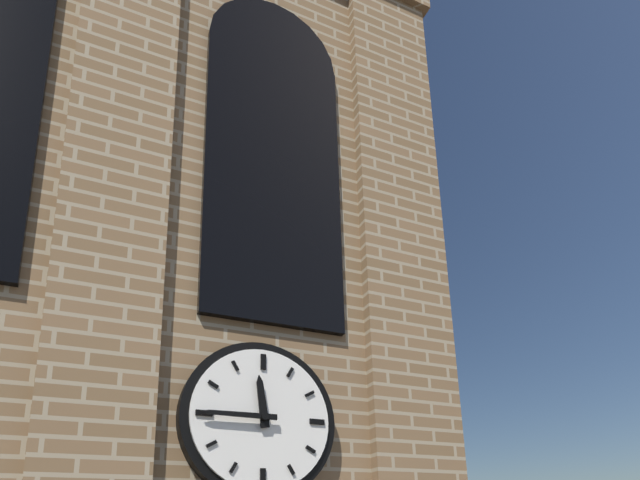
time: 11:45
